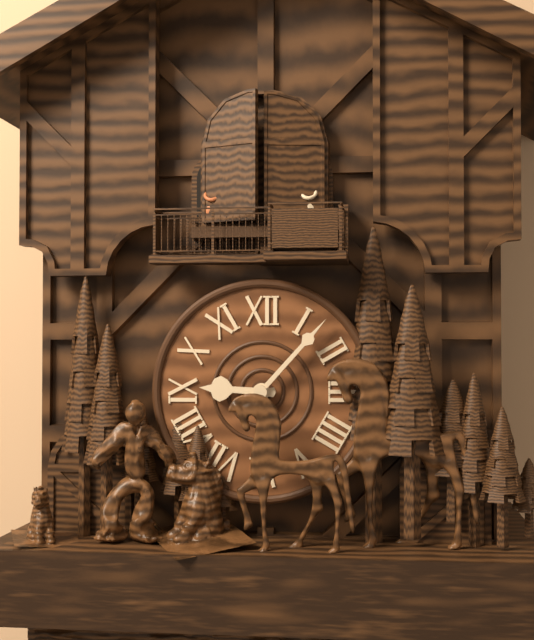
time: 9:07
